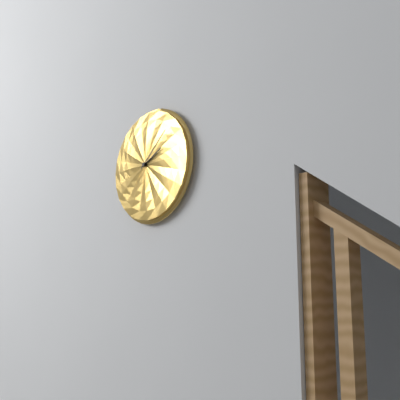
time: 2:08
